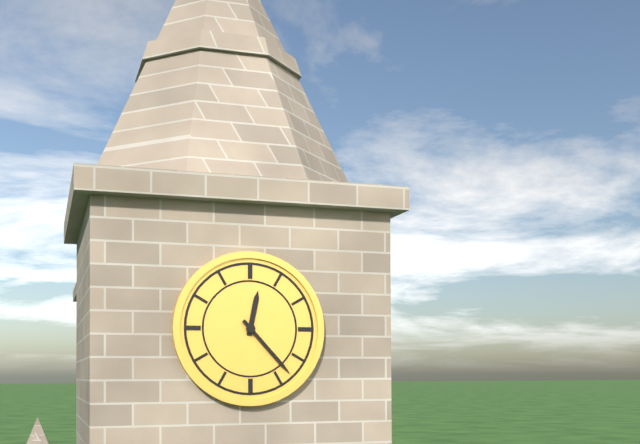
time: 12:23
